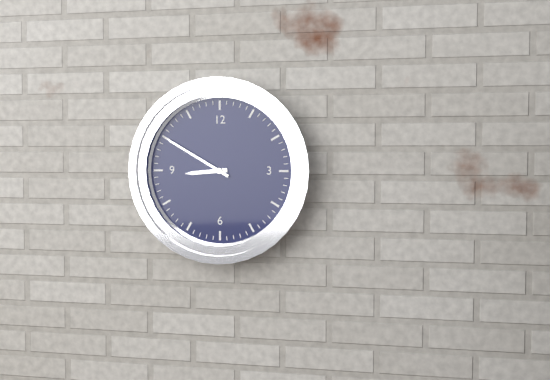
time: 8:50
